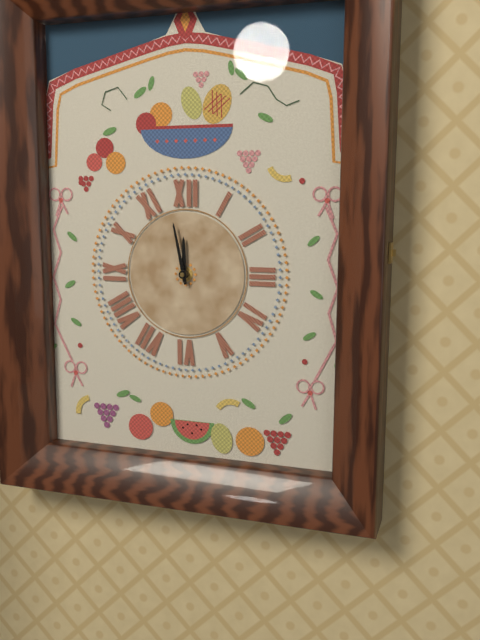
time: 11:58
